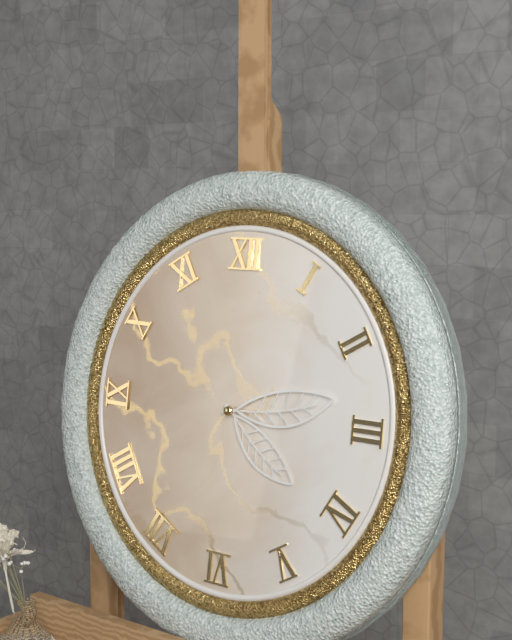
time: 4:13
